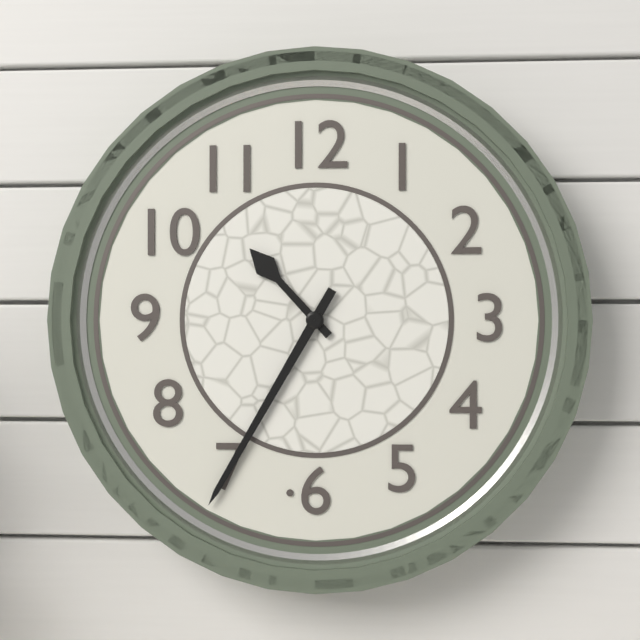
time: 10:35
